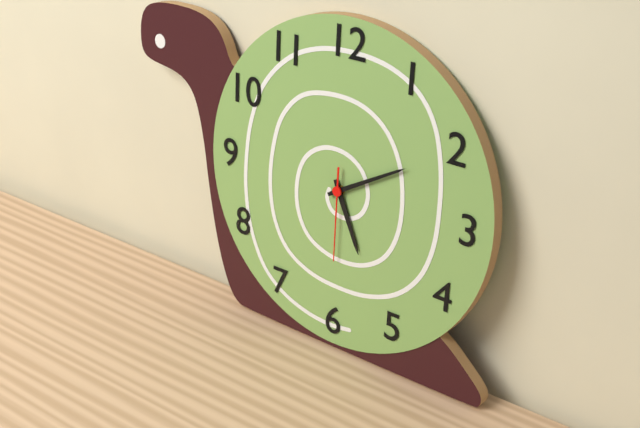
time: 5:10:30
